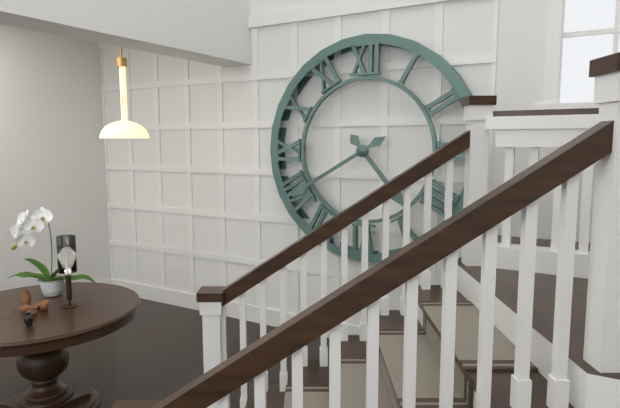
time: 4:40
